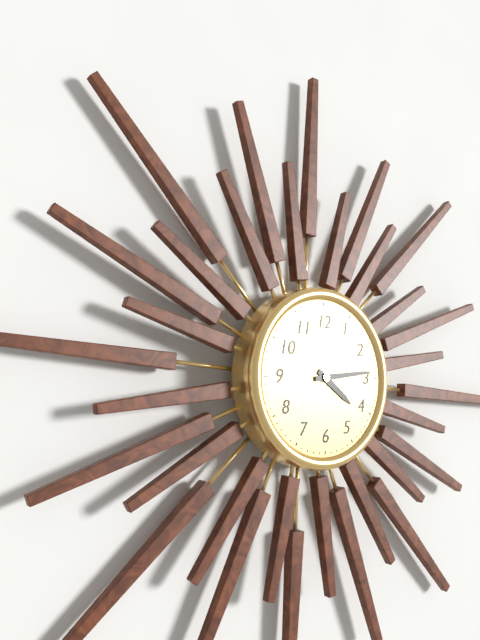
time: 4:14
